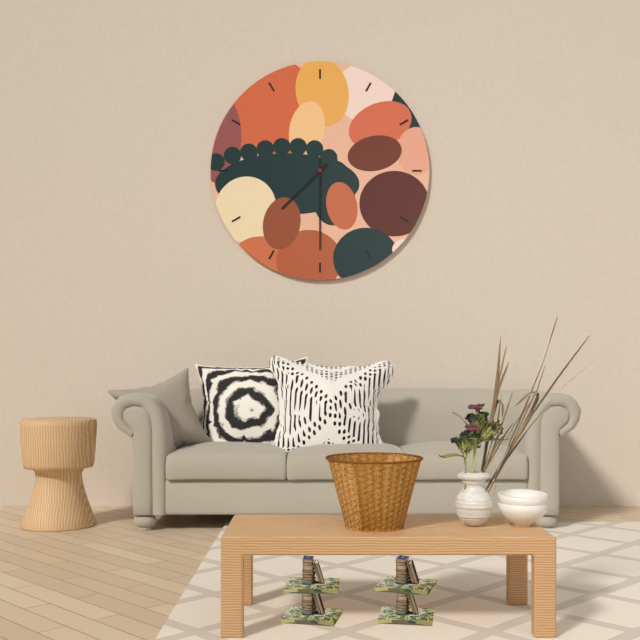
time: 7:30
